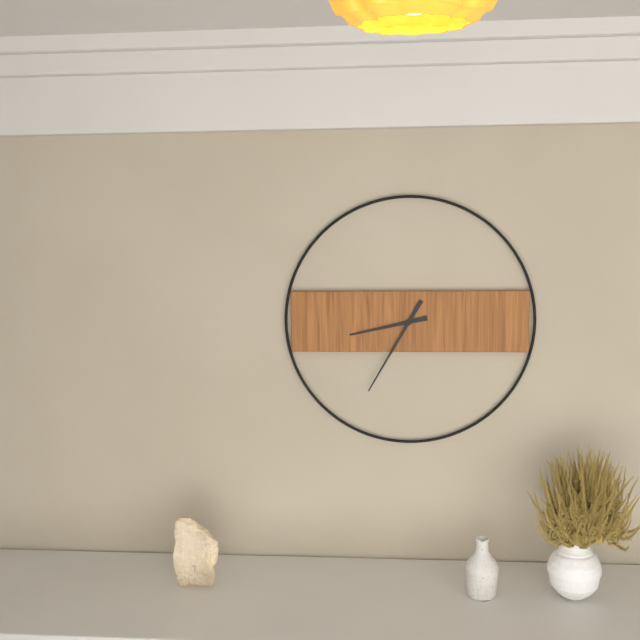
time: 8:35
